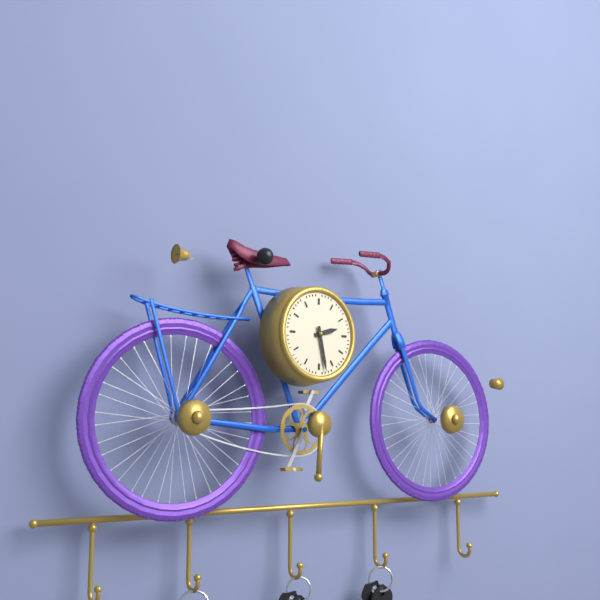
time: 2:28
